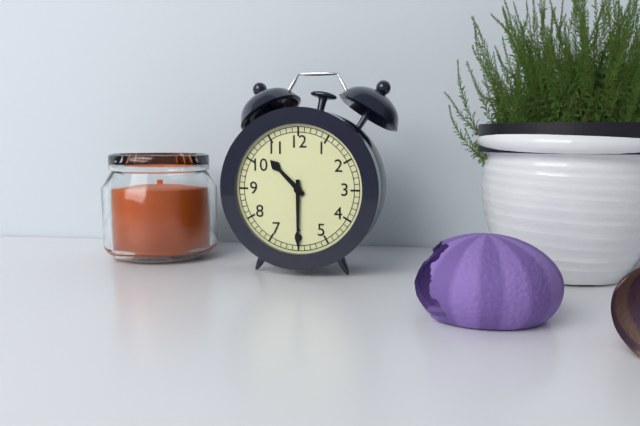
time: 10:30
